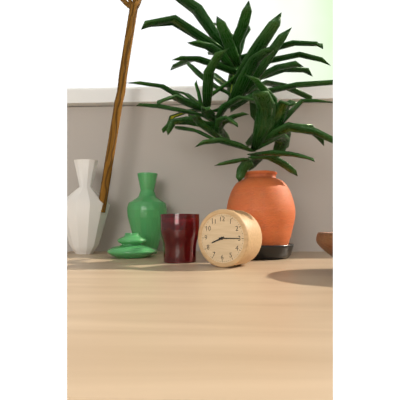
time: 8:15
